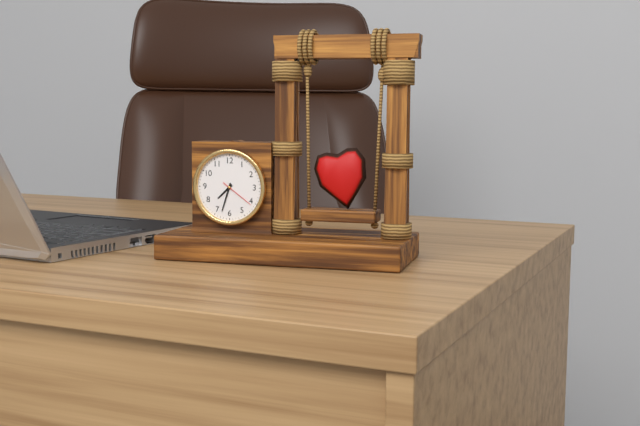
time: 7:33
